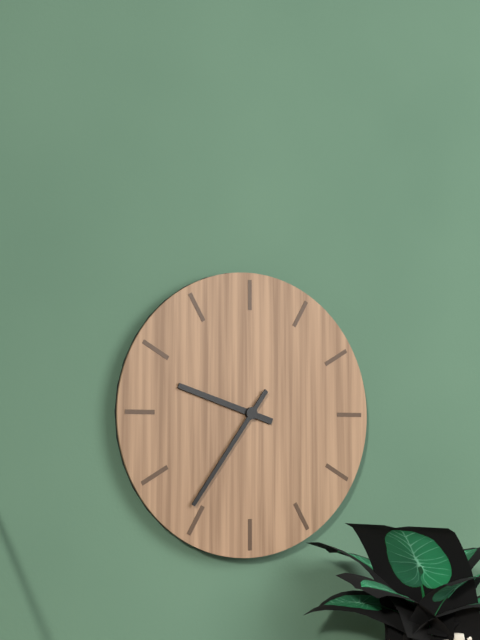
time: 9:36
